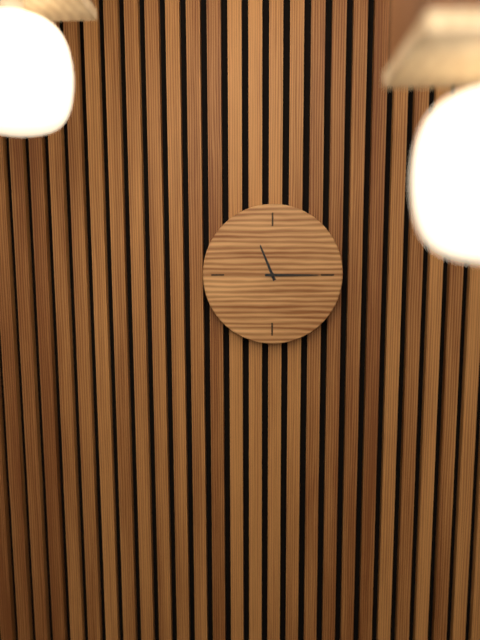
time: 11:15
